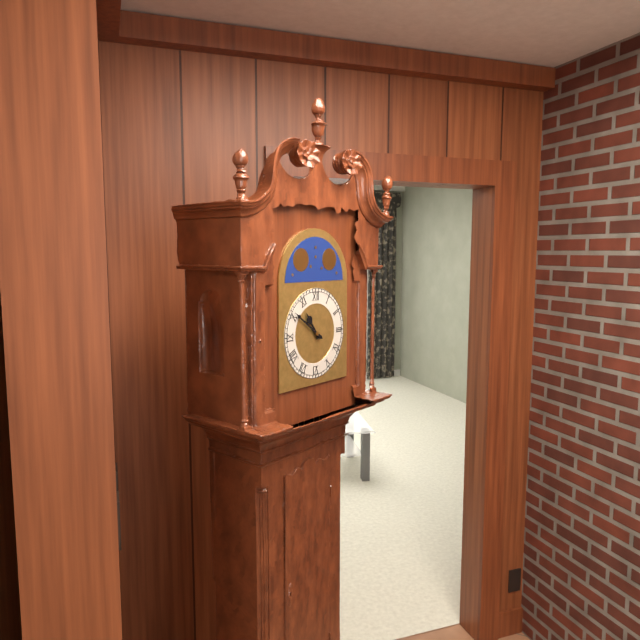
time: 10:51
